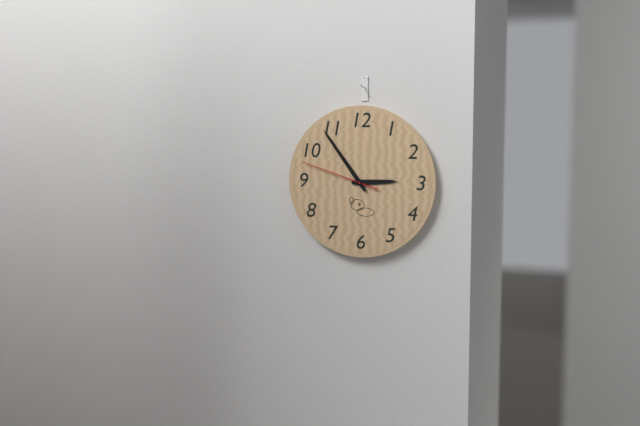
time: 2:54:48
